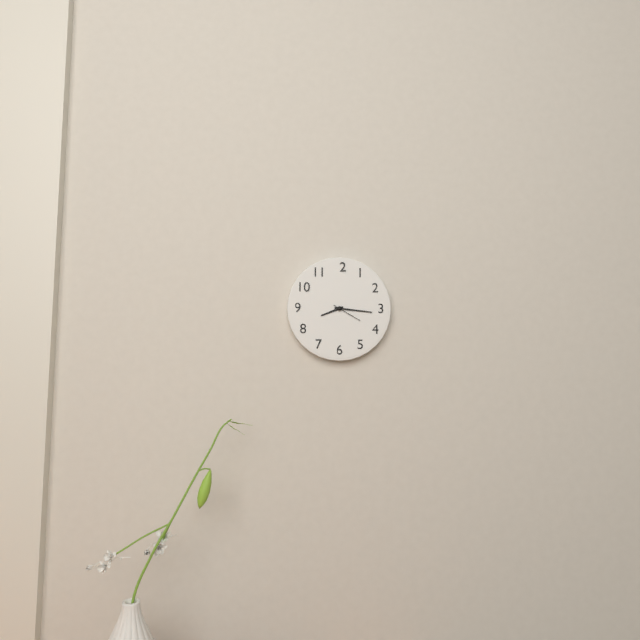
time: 8:16
